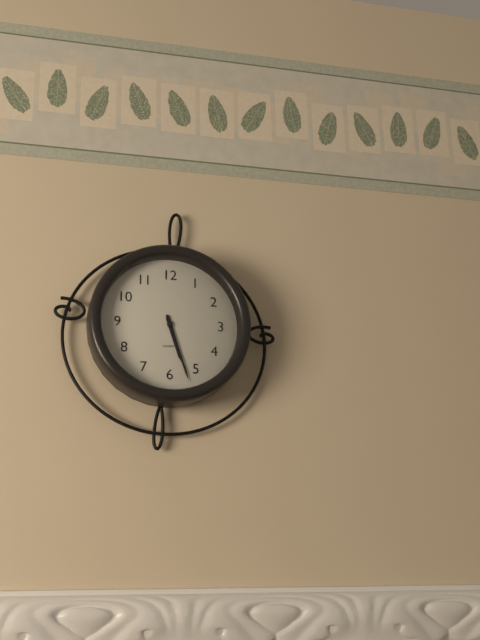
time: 5:27
